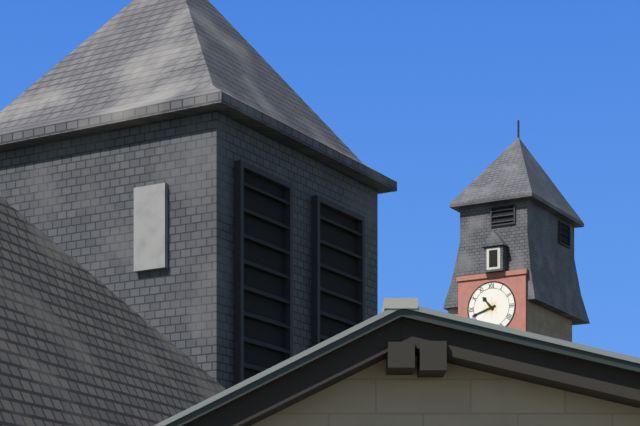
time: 10:42
